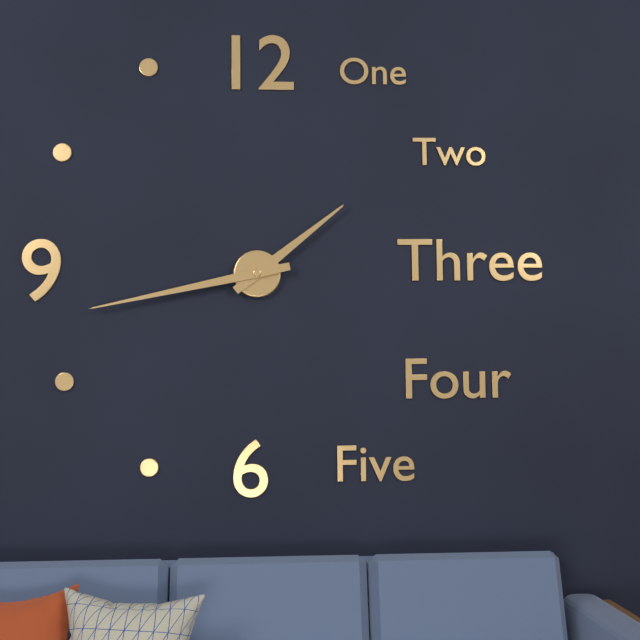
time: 1:43
